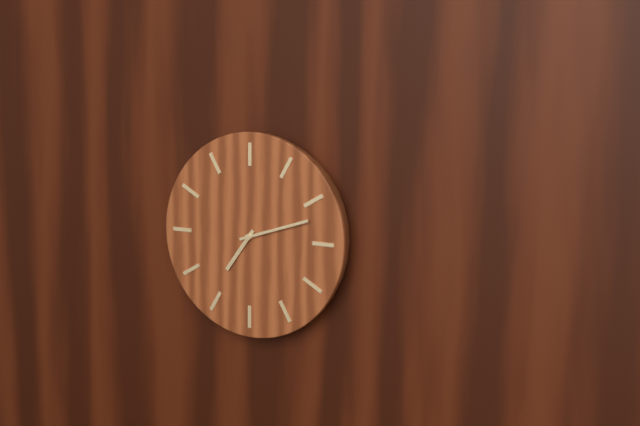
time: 7:12
